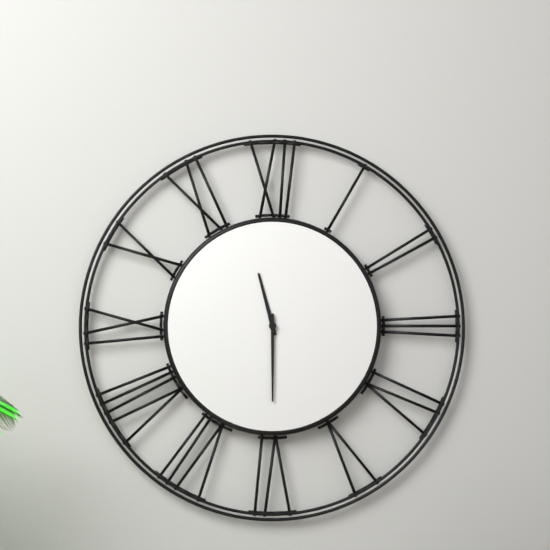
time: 11:30
